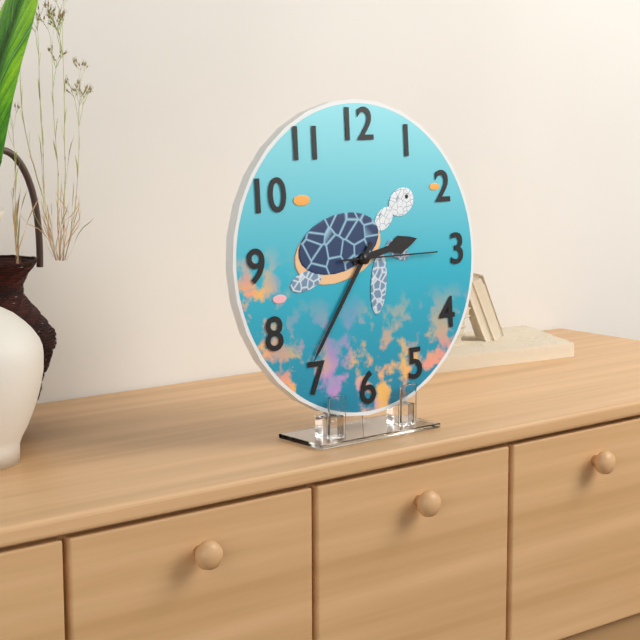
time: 2:36:15
